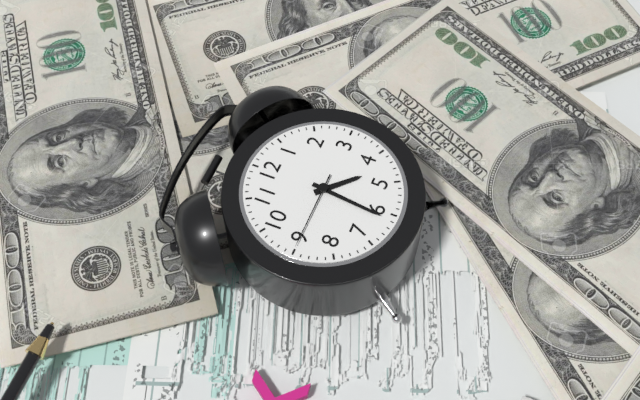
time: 4:31:45
